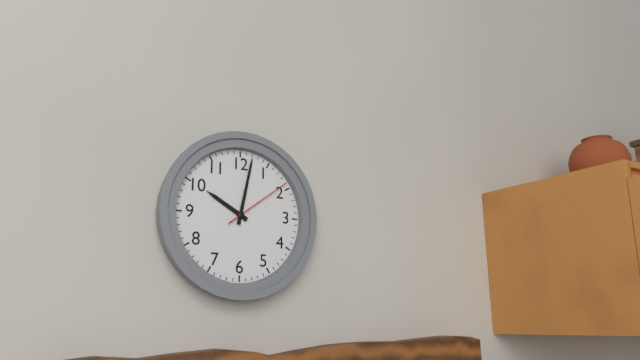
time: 10:02:09
